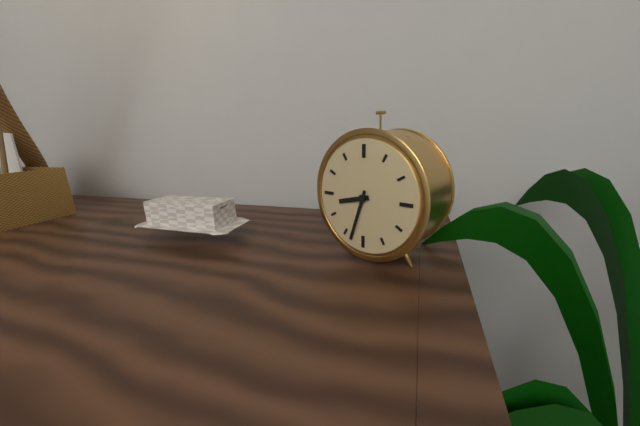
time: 8:33
